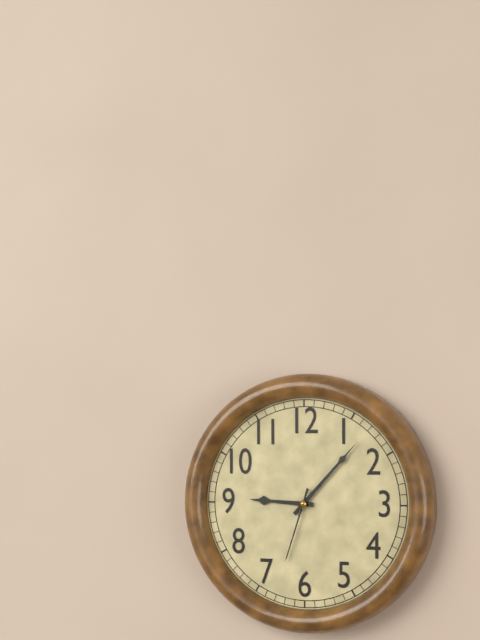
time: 9:07:33
